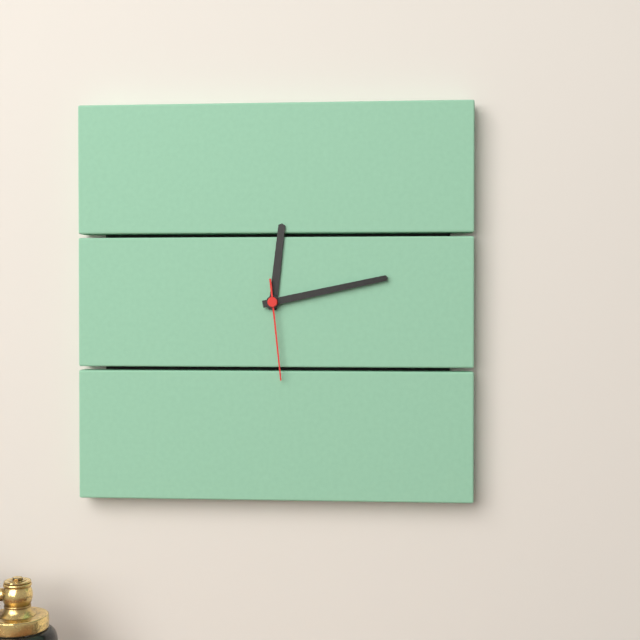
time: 12:13:29
